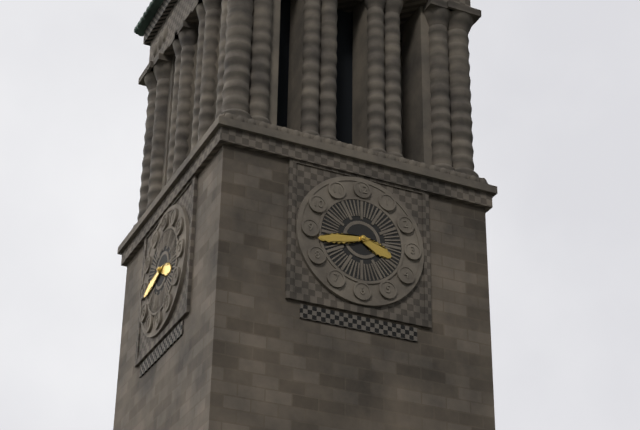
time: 3:43
